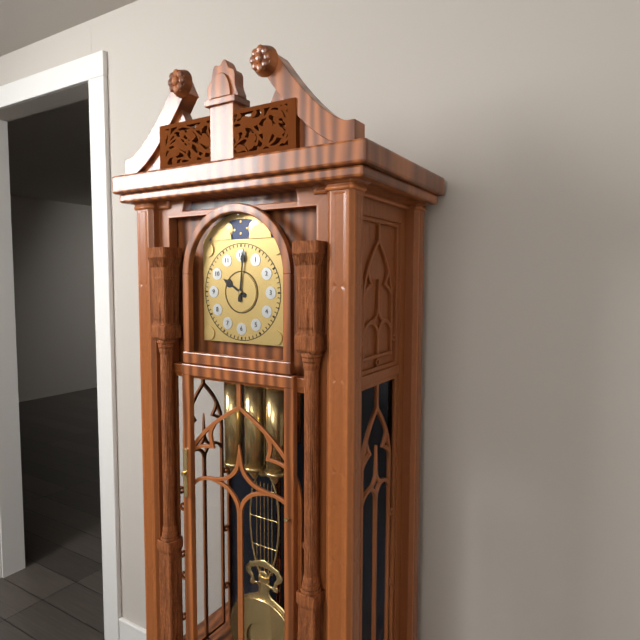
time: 10:01
